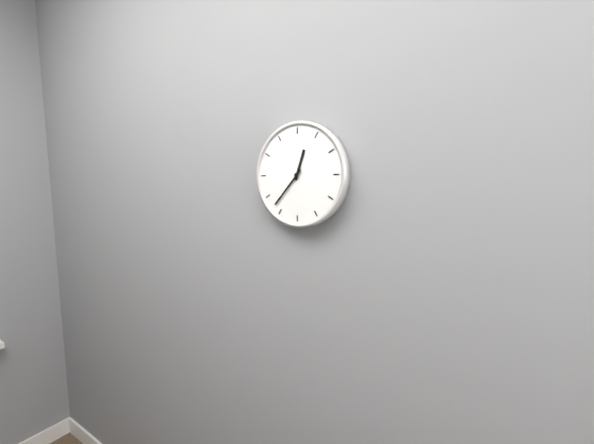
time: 12:37
